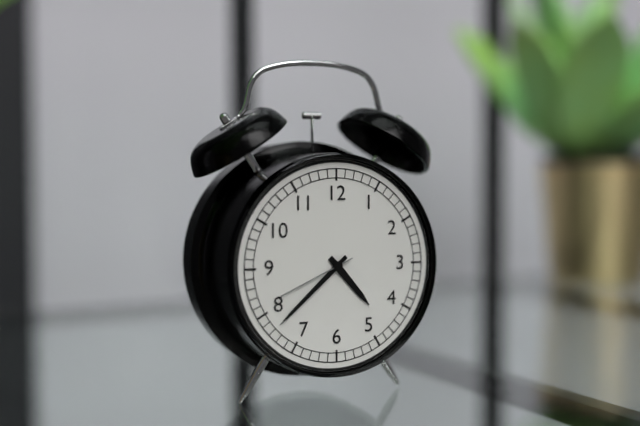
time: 4:38:41
